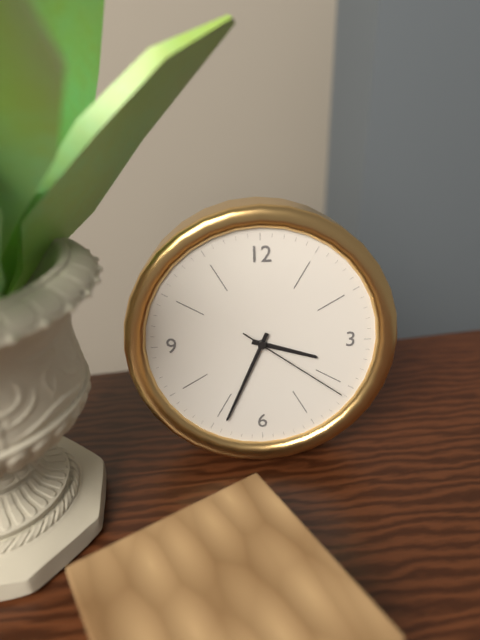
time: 3:34:21
